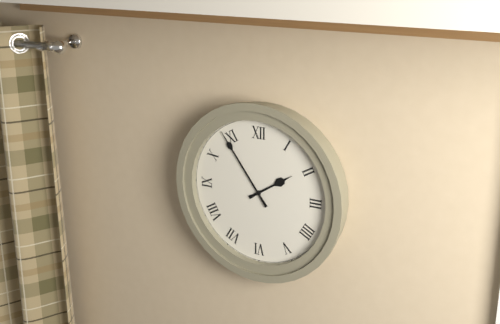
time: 1:54
